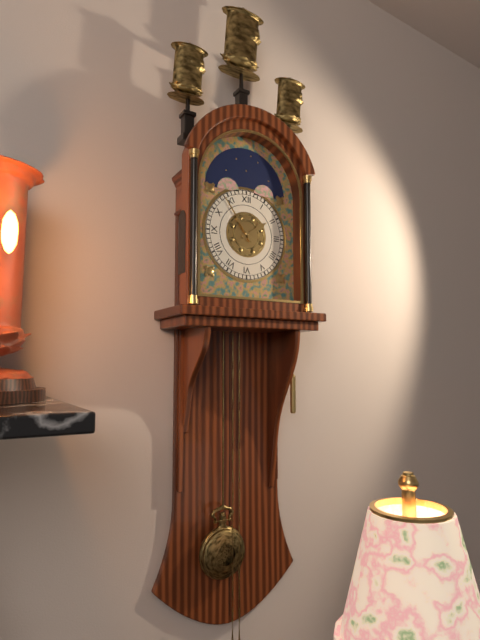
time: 1:54
